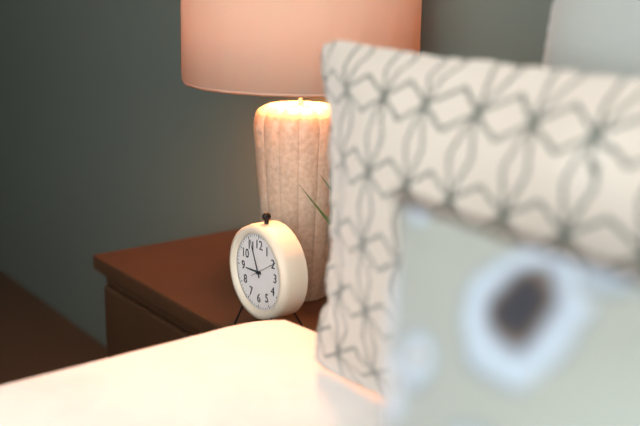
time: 8:56
